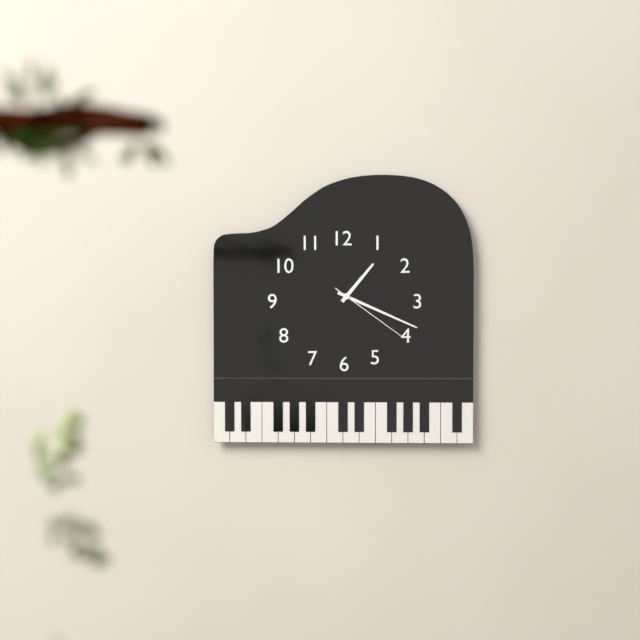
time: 1:19:21
